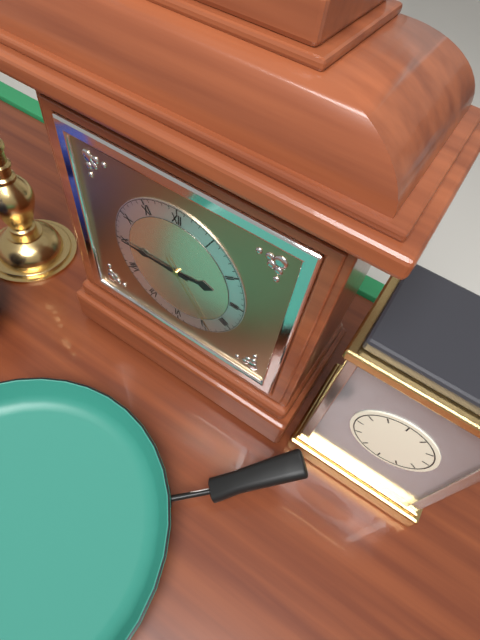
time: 2:45:24
